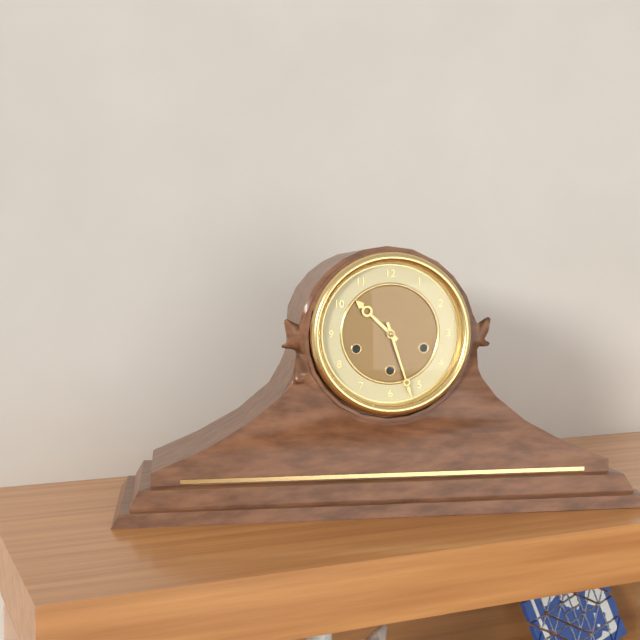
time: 10:27
